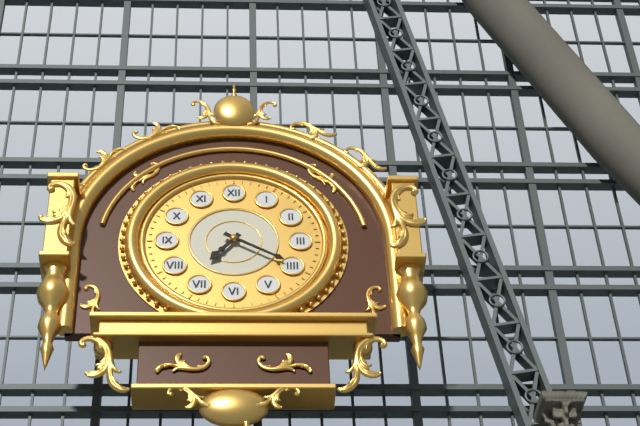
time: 7:20
